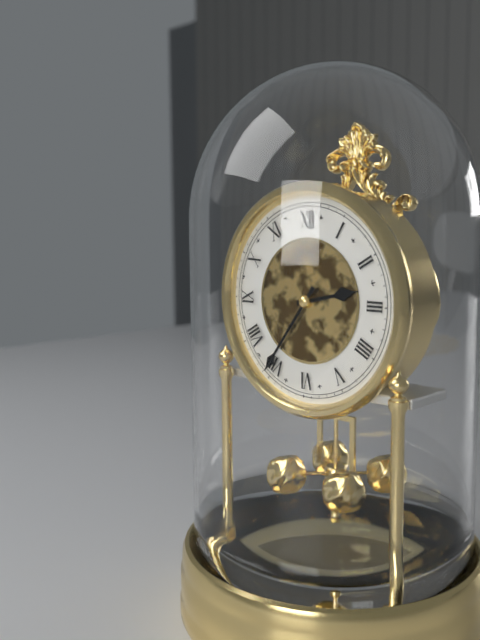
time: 2:36
